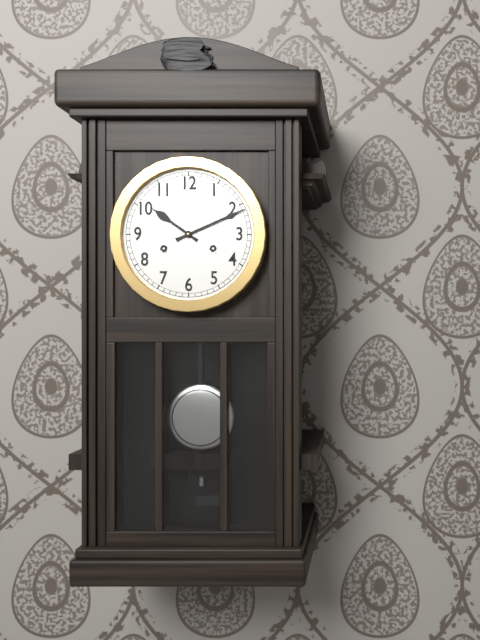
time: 10:11
